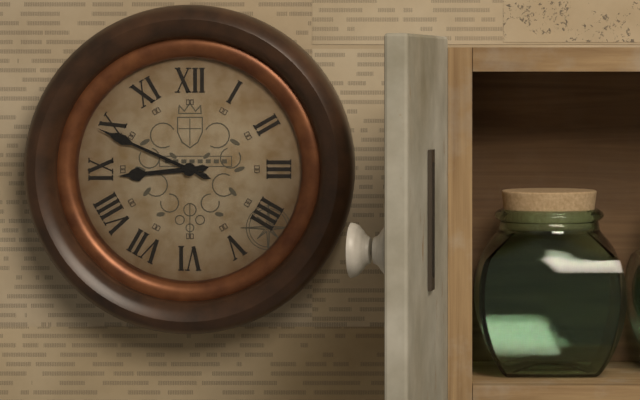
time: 8:49
